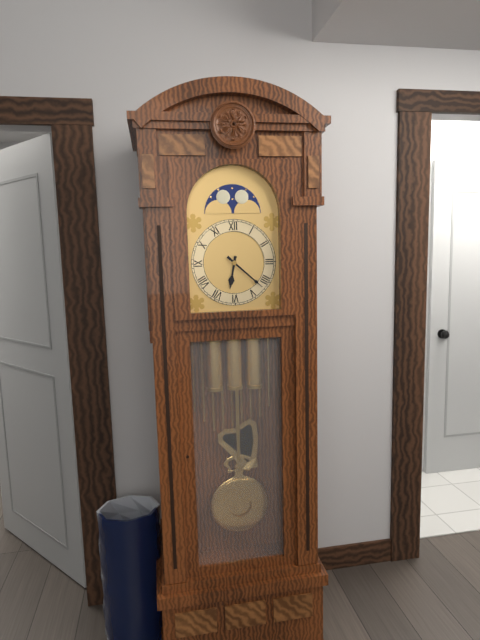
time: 6:22
